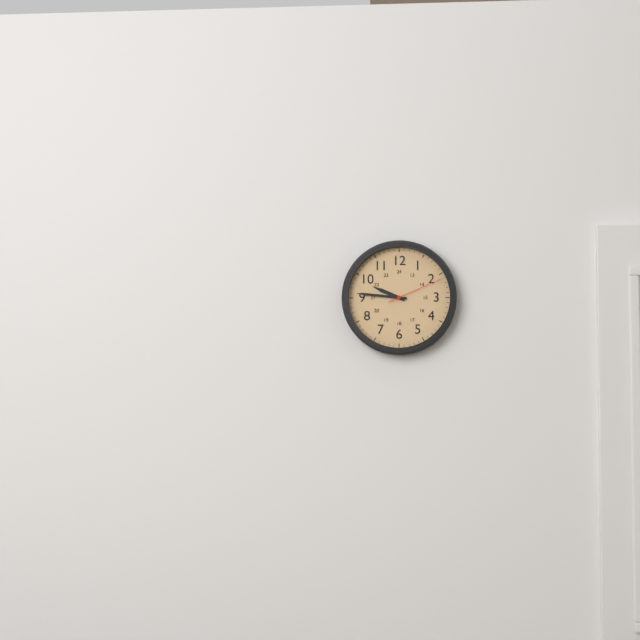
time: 9:46:11
